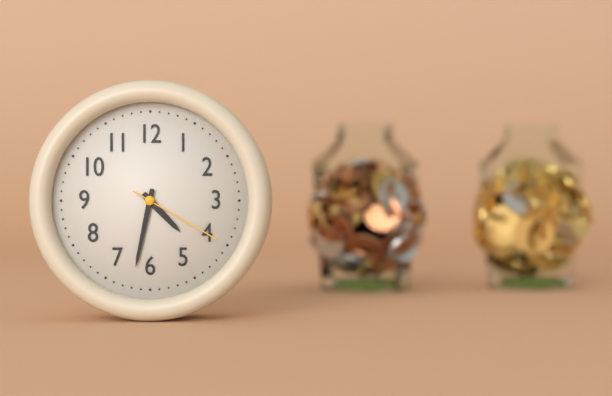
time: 4:32:20
